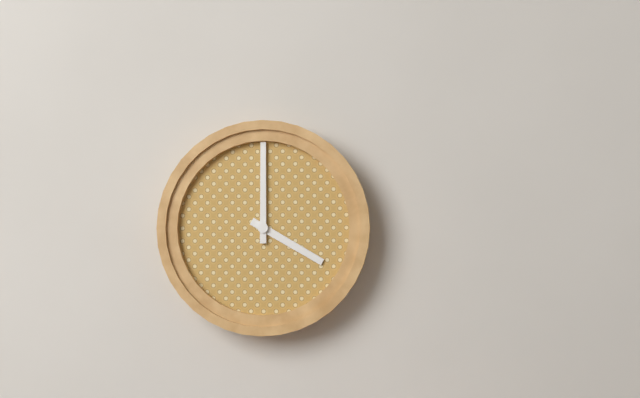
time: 4:00
